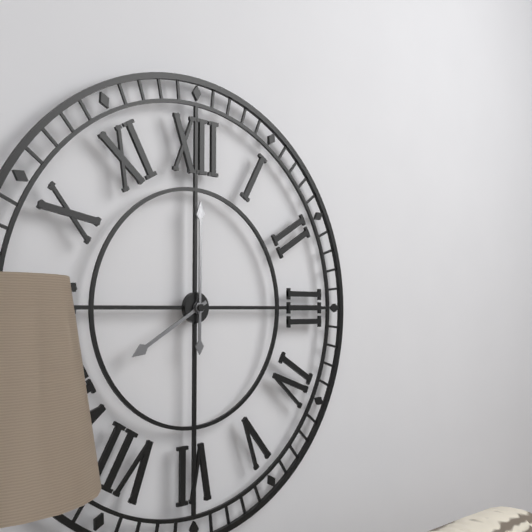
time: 8:00
